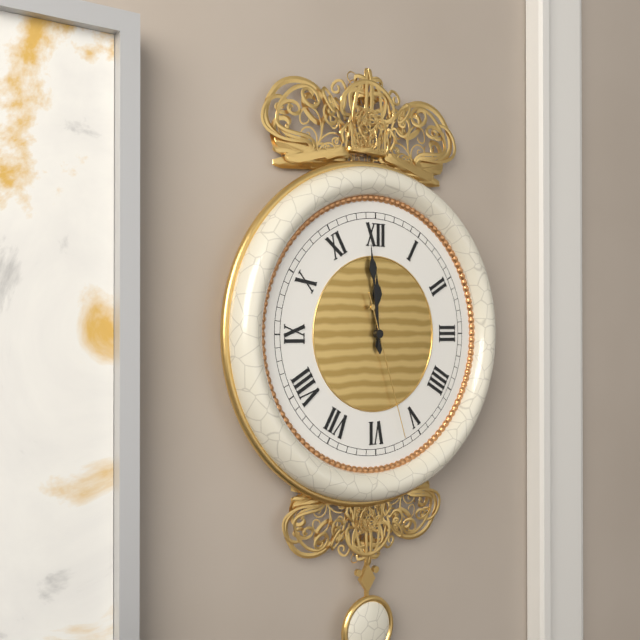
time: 11:59:27
